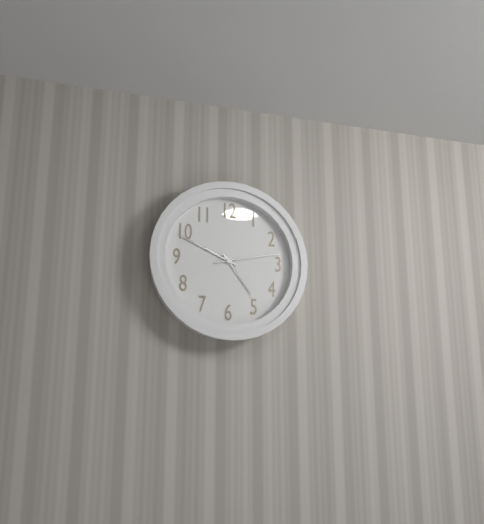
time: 4:49:13
